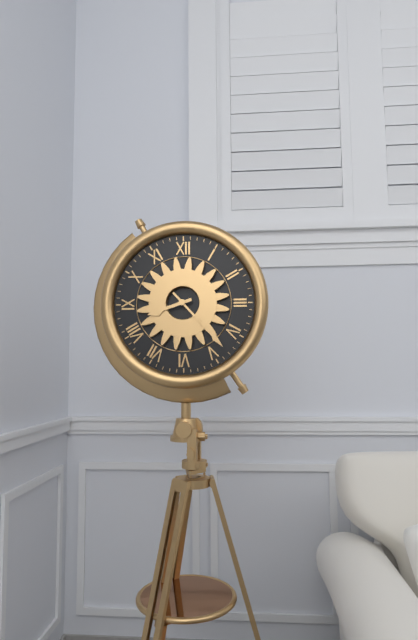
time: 8:23
